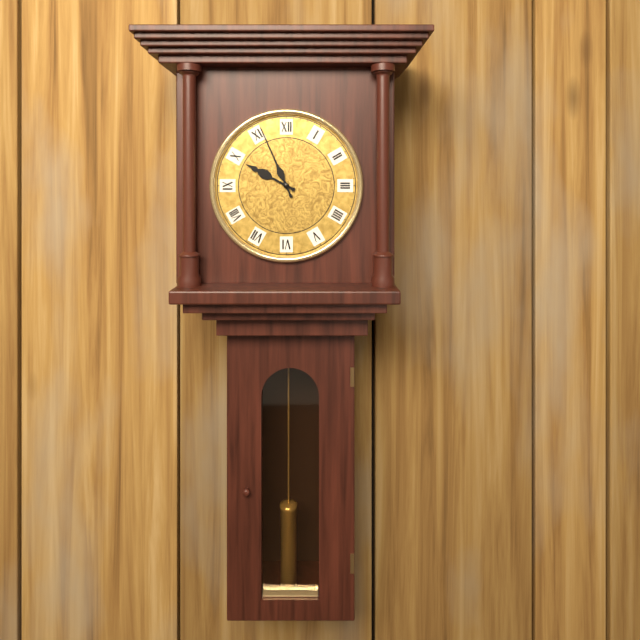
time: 9:56
